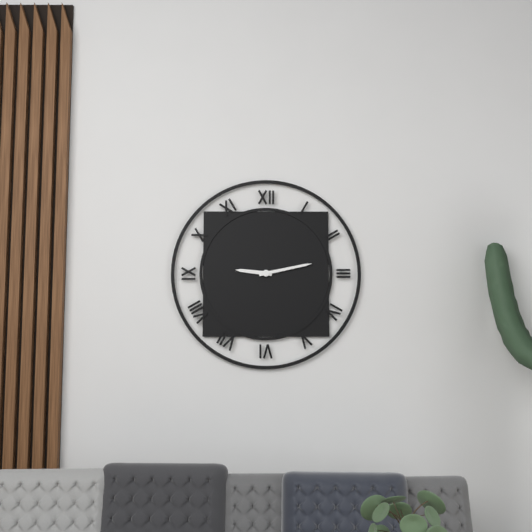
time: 9:13
